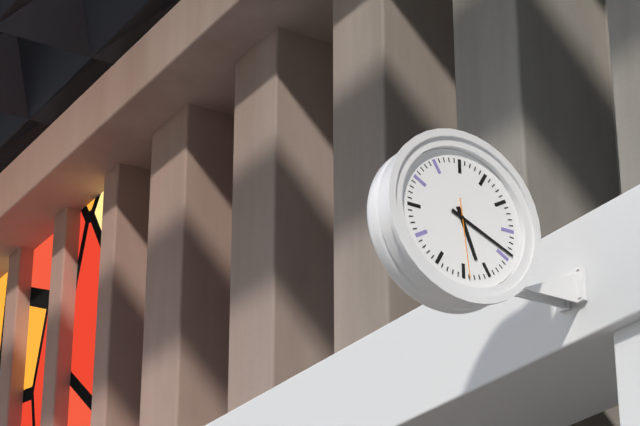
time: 5:19:29
